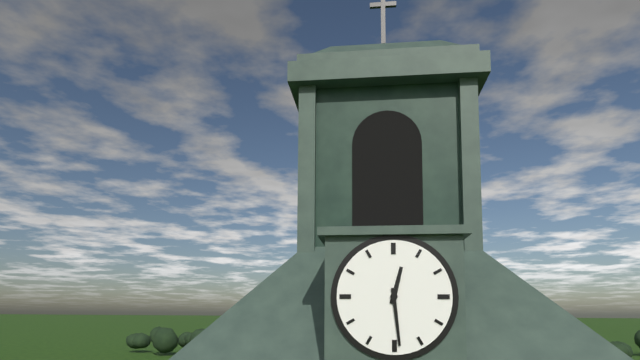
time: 12:29
